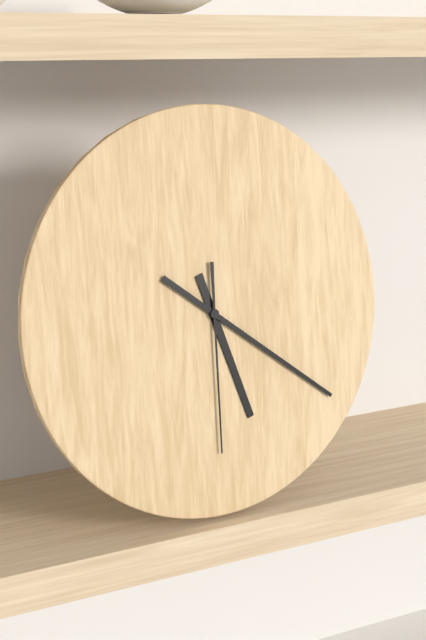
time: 5:21:30
